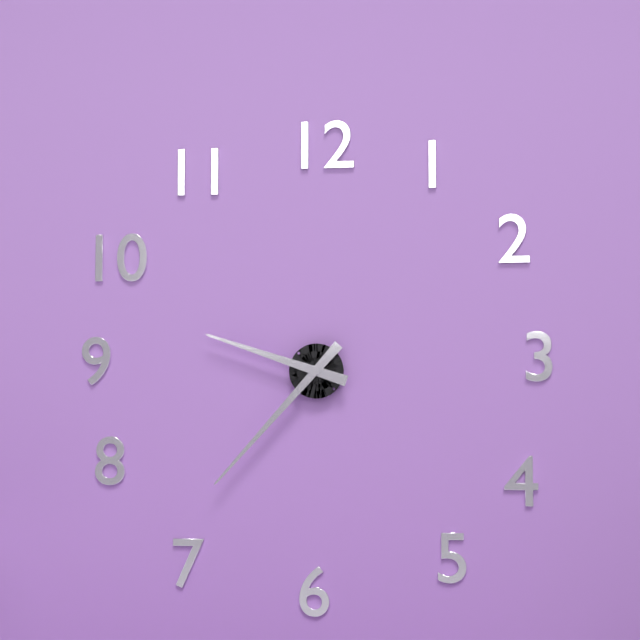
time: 9:37
